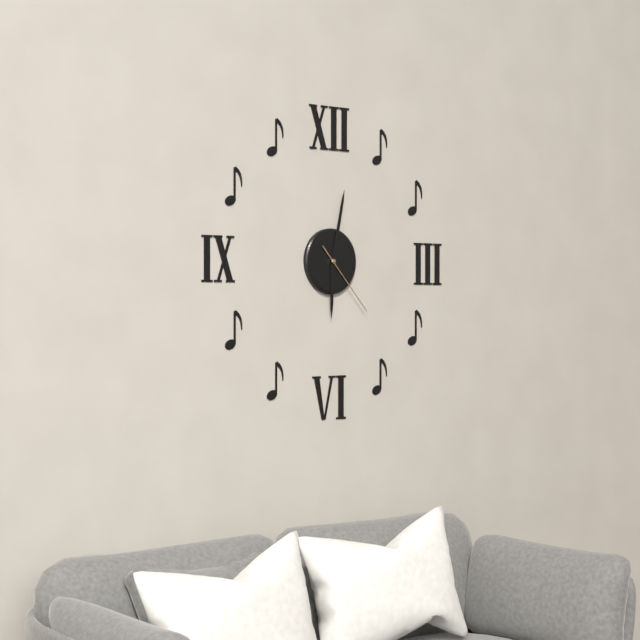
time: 6:02:23
